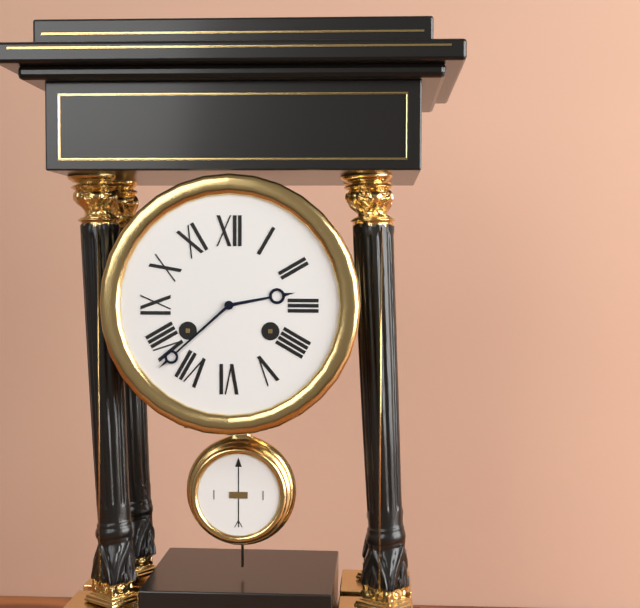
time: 2:38
